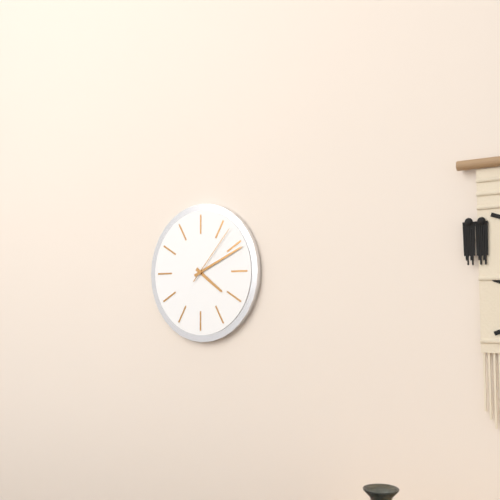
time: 4:11:07
